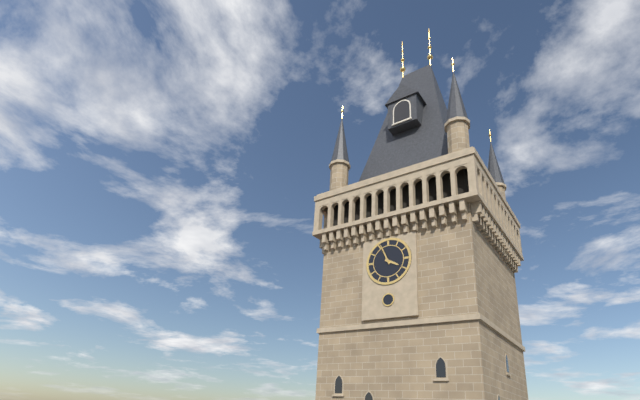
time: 3:56
